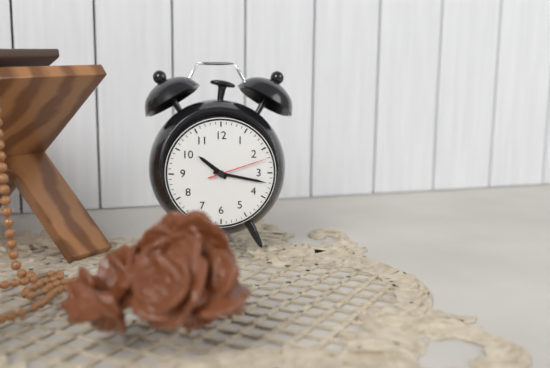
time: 10:17:12
